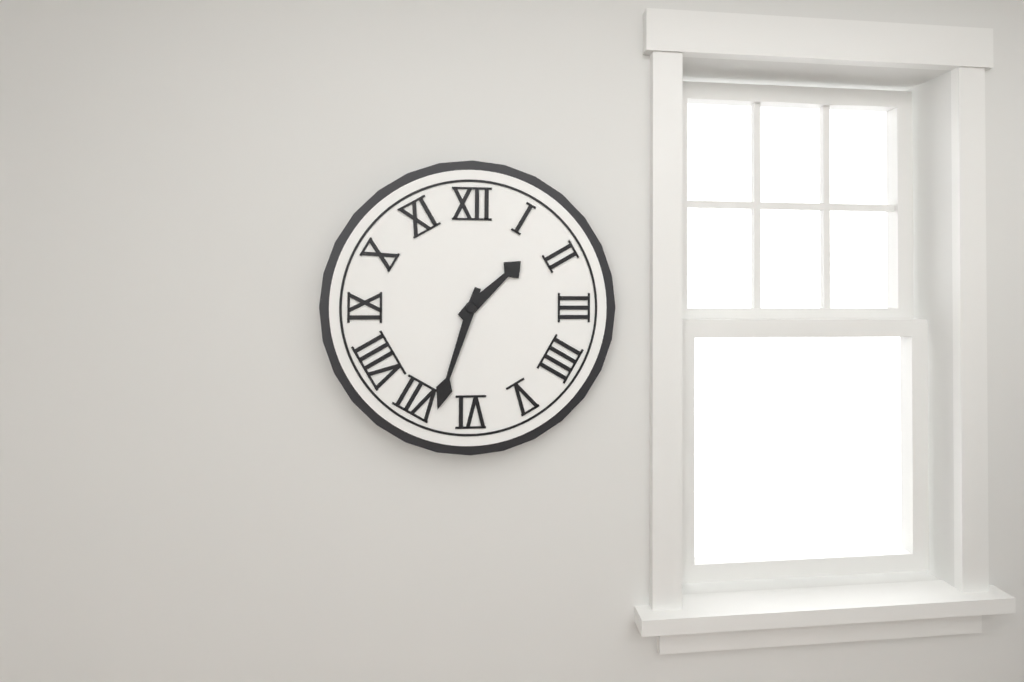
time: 1:33
